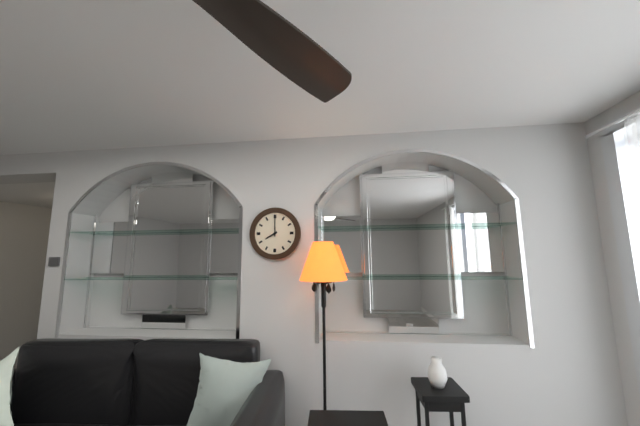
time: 8:00
